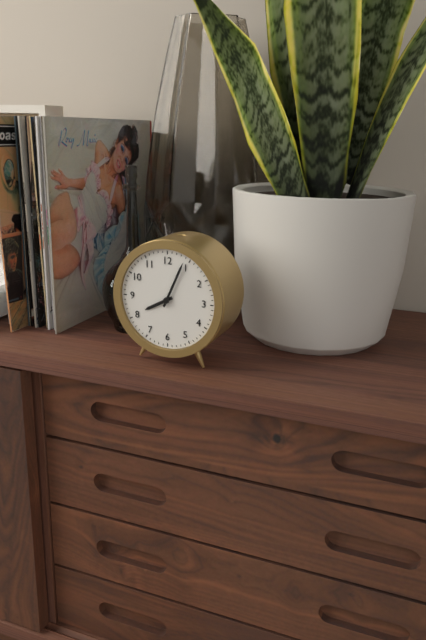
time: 8:04
